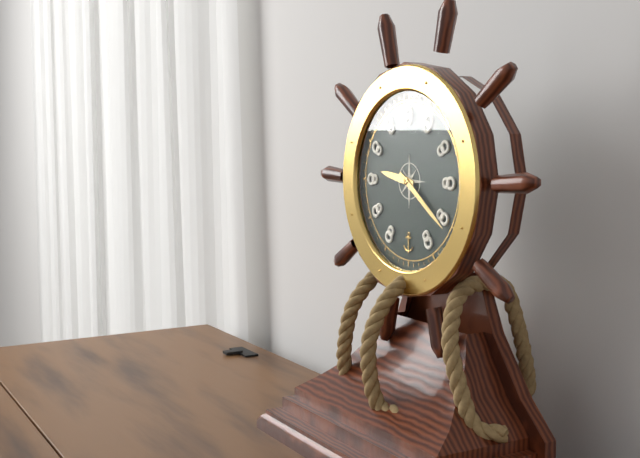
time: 9:21
